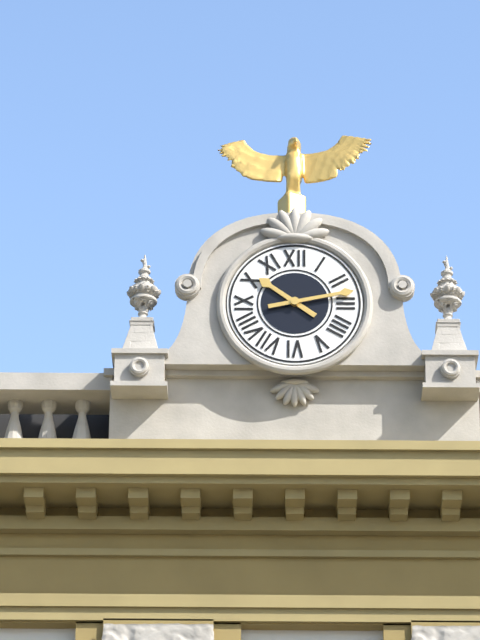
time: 10:13
